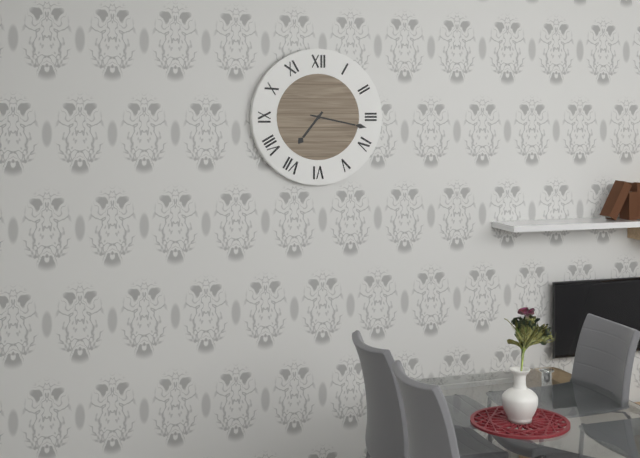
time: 7:17
